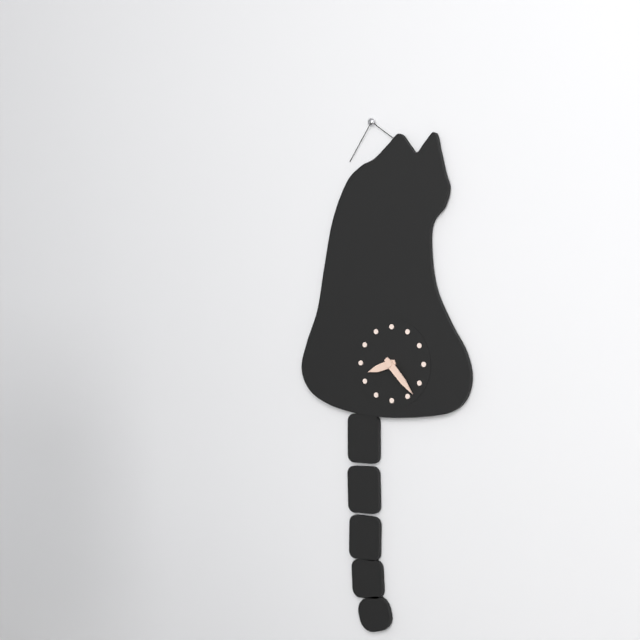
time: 8:23
